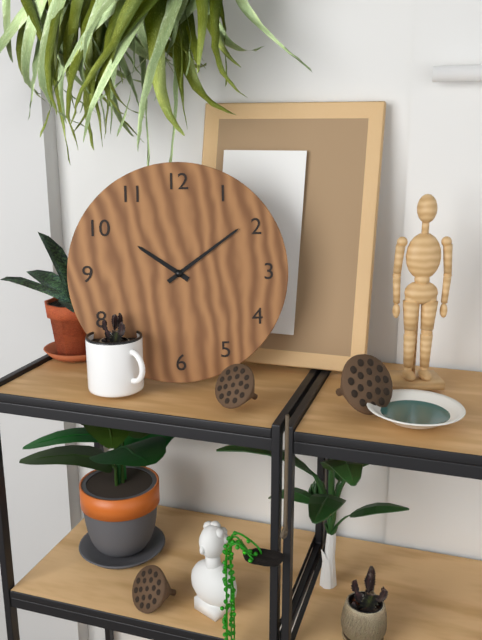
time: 10:09
